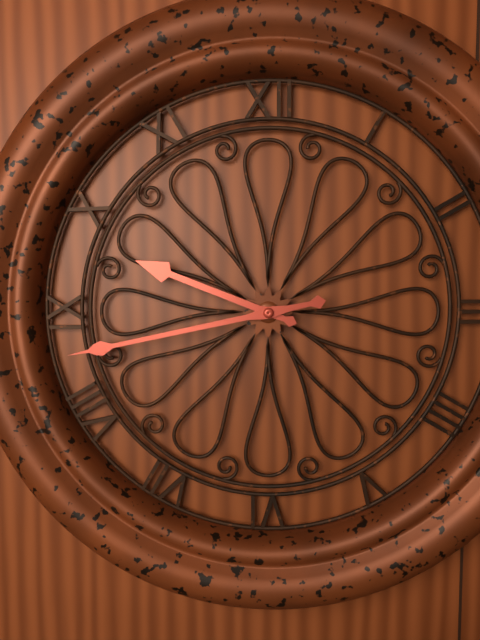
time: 9:43
